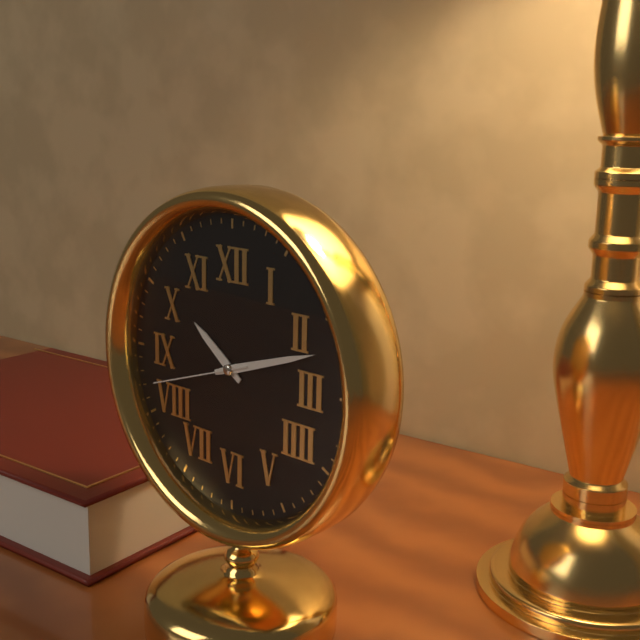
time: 10:12:42
